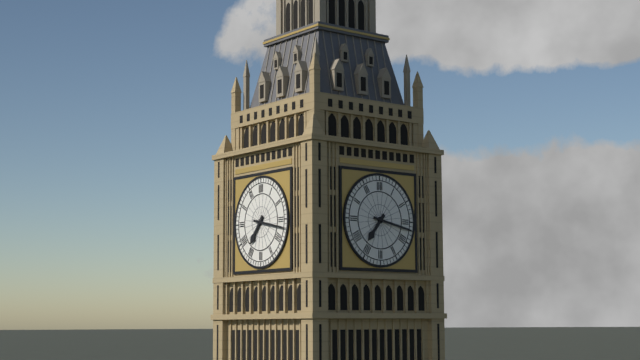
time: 7:17
